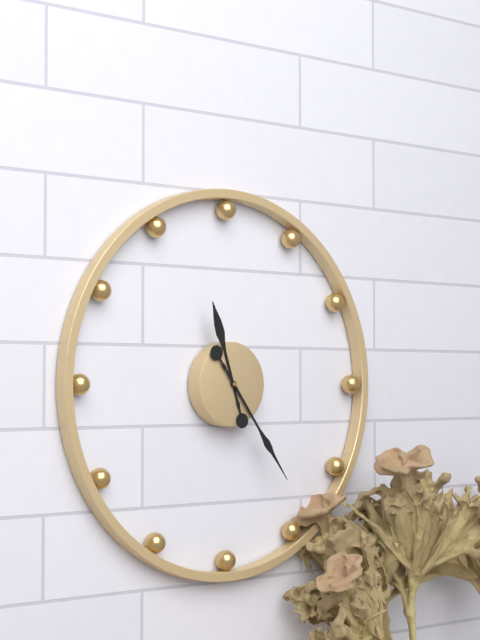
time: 11:24
